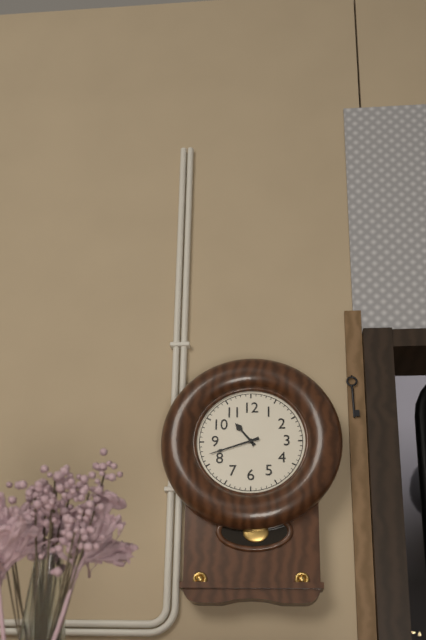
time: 10:42
